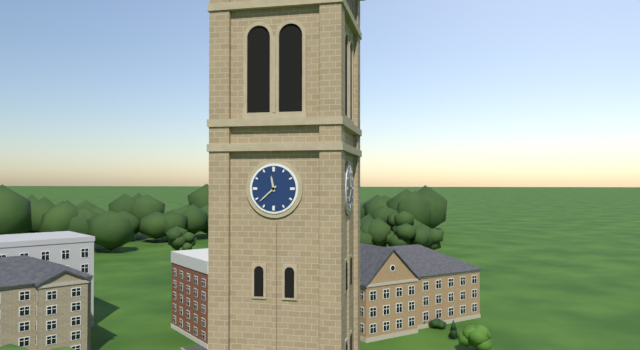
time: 11:38
